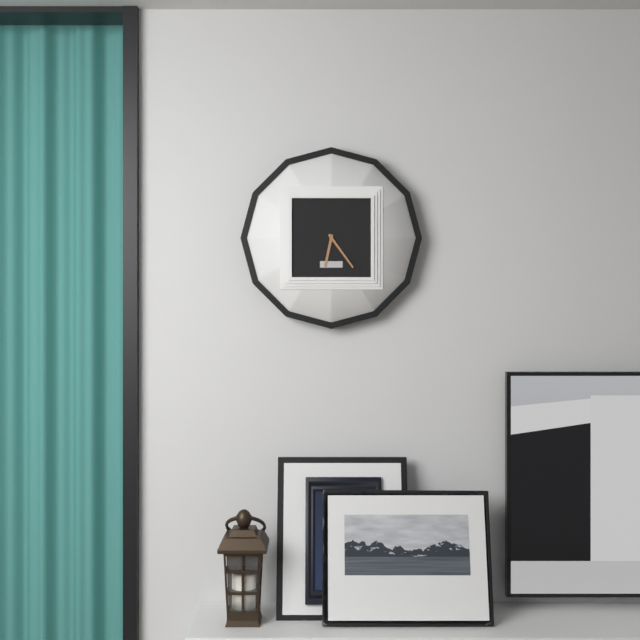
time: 6:24
